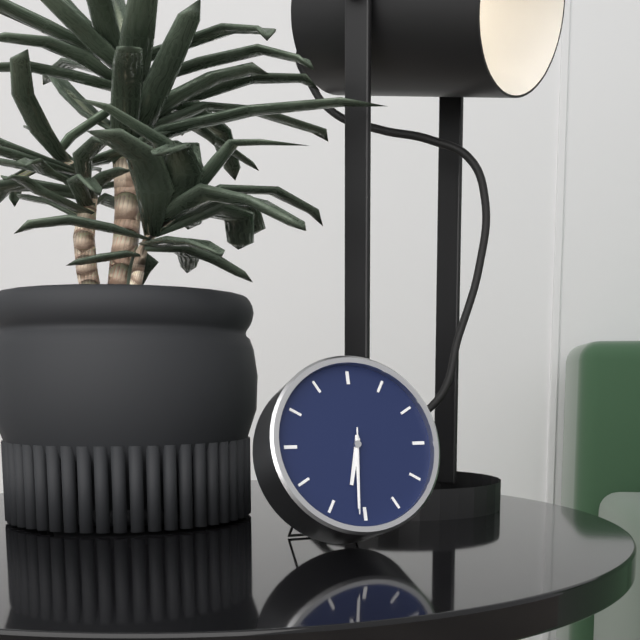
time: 6:31:31
